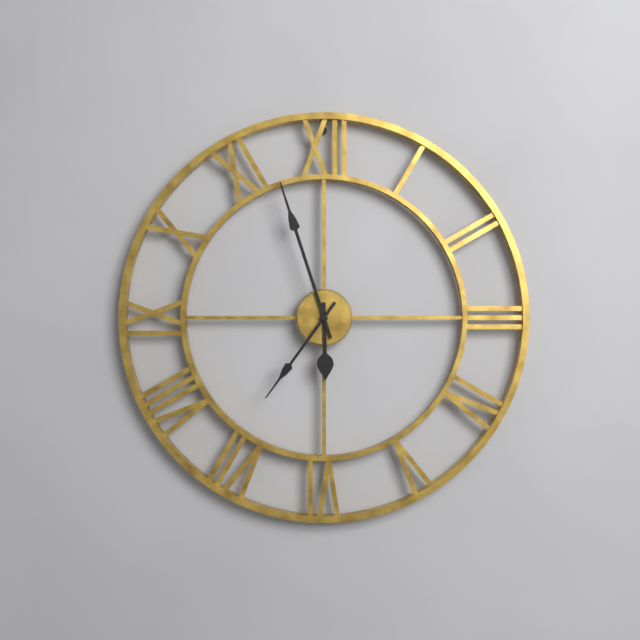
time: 5:57:36
